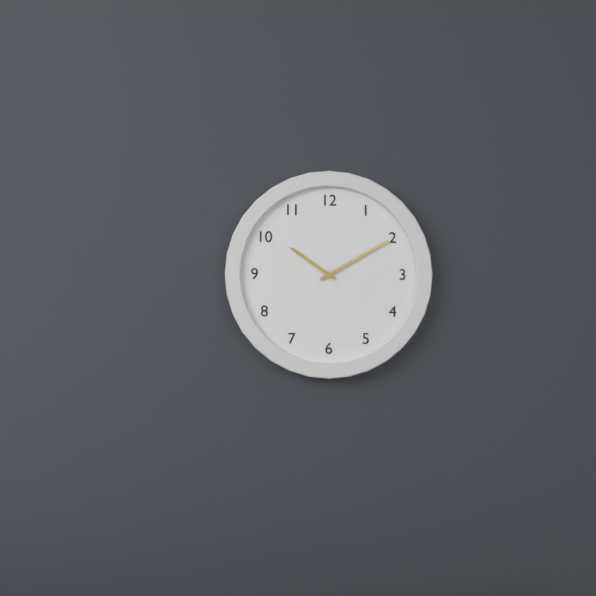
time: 10:10
